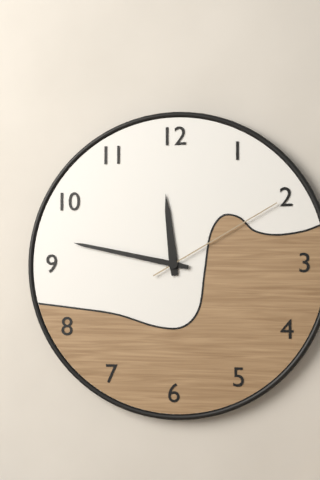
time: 11:47:10
